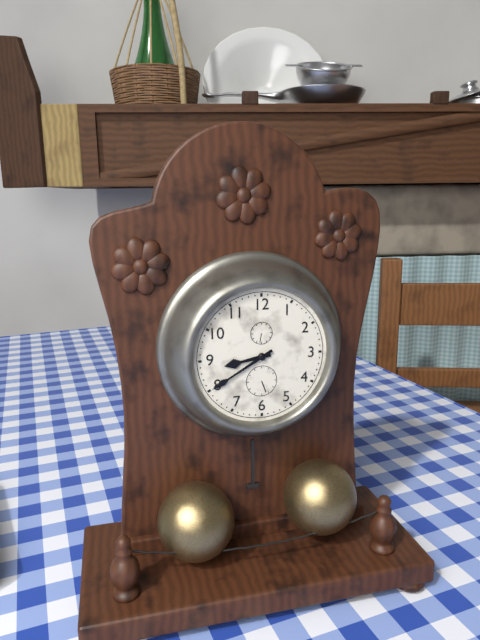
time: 8:40
